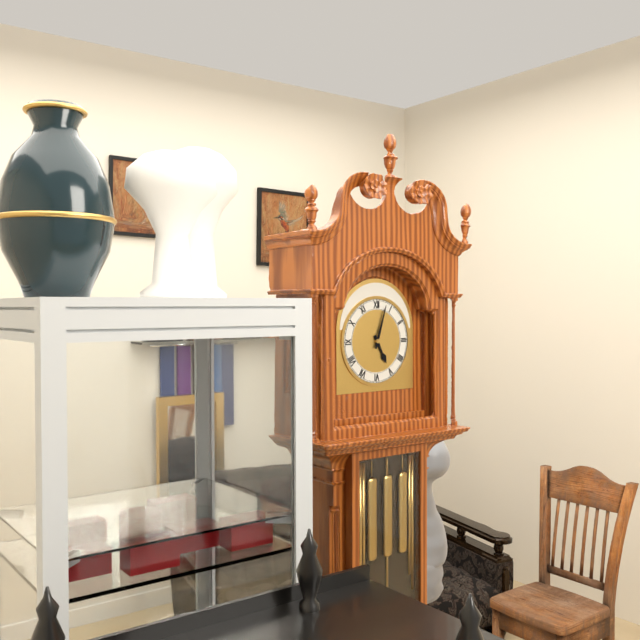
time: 5:03
